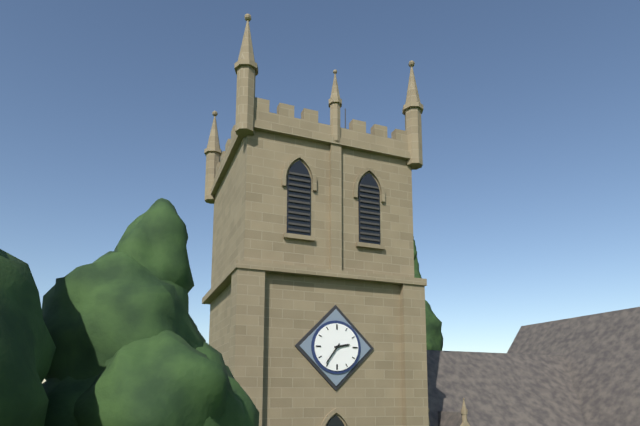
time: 2:36
